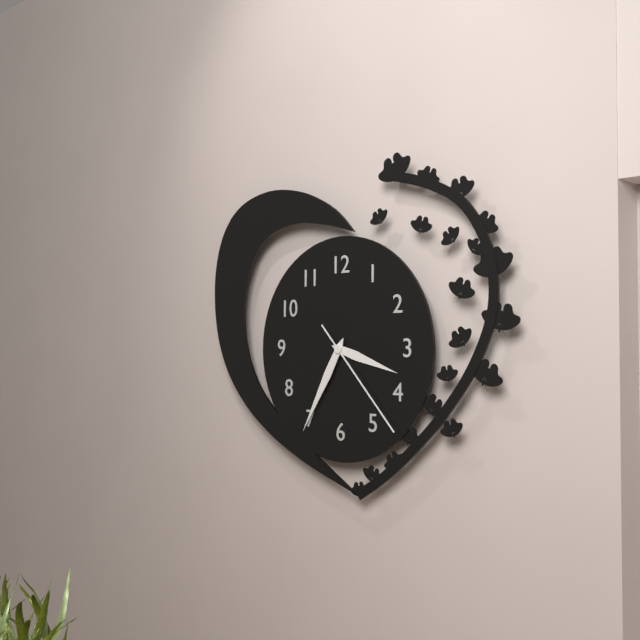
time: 3:35:23
